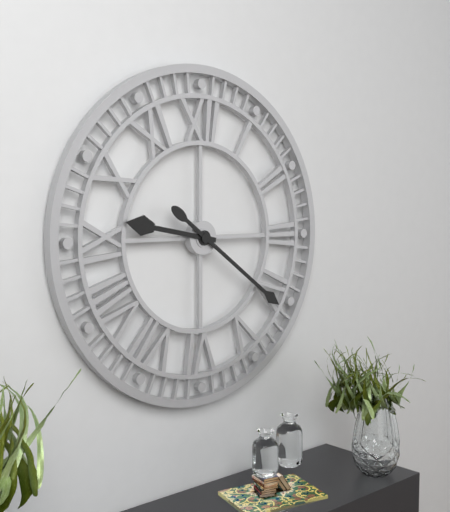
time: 9:21
